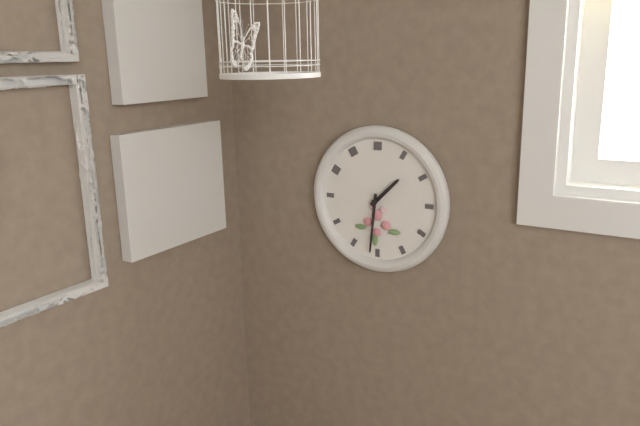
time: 1:31
